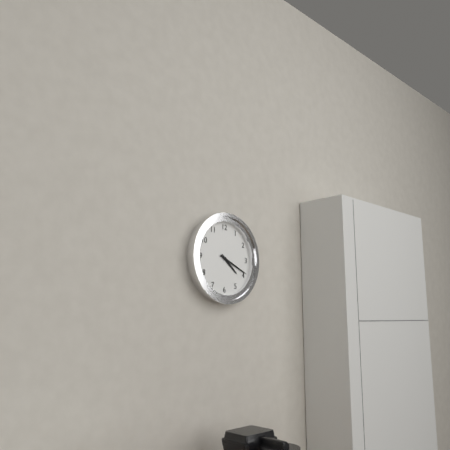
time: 4:19
